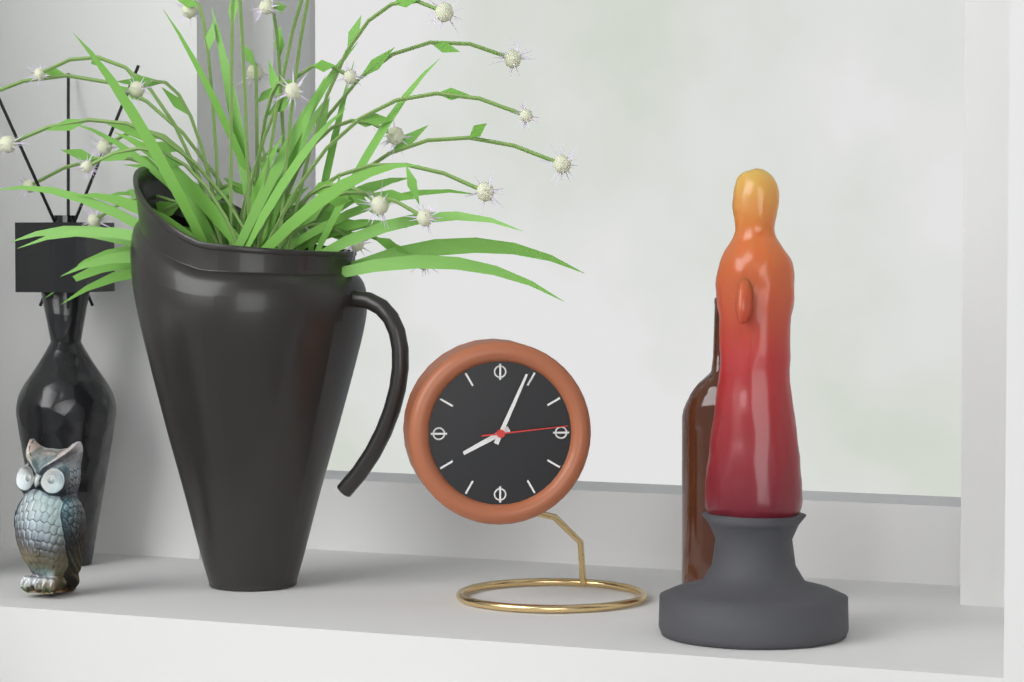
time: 8:04:14
